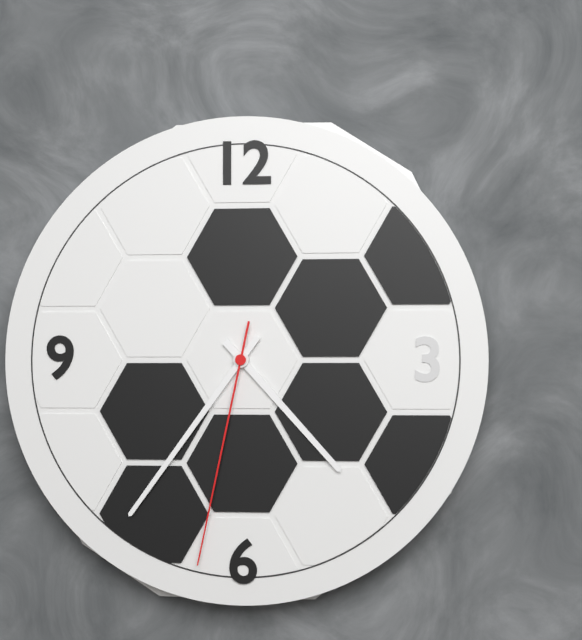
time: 4:36:32
